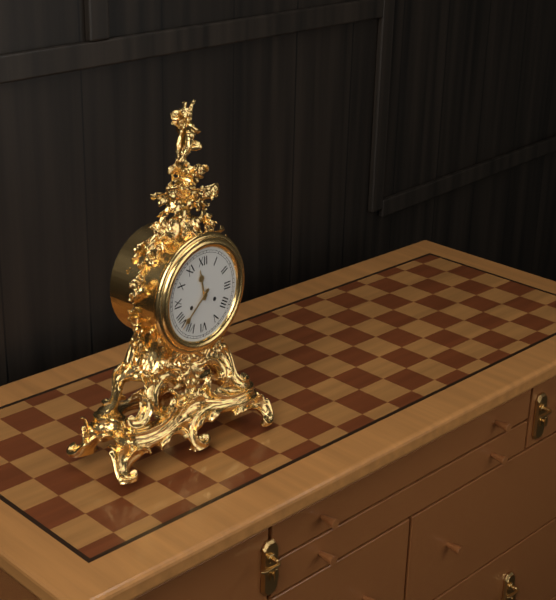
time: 11:38
